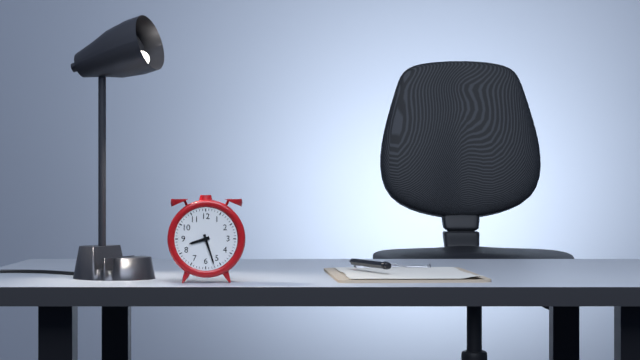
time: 8:27
